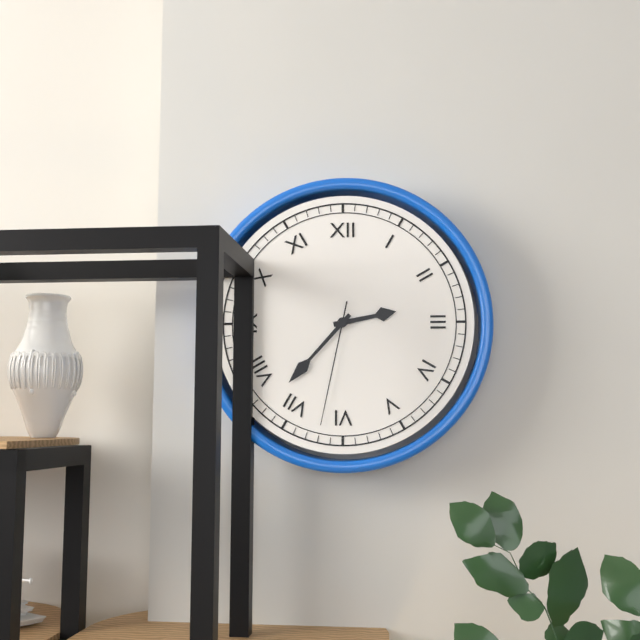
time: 2:37:32
